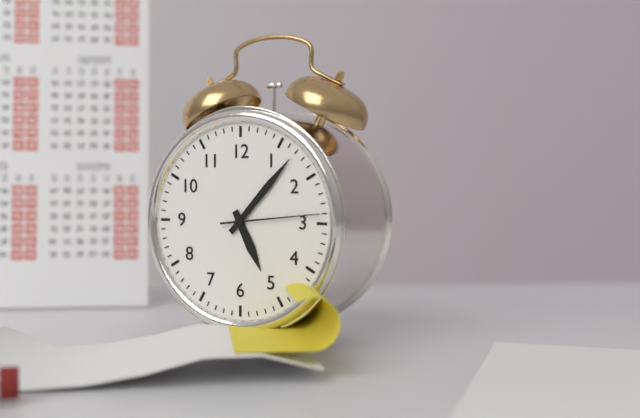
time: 5:07:14
